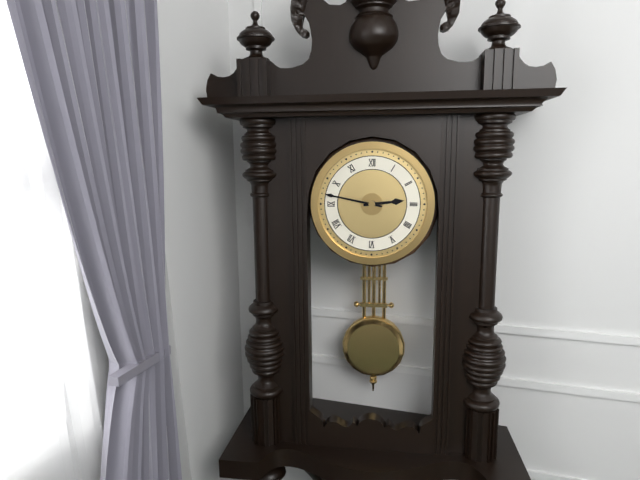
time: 2:47
